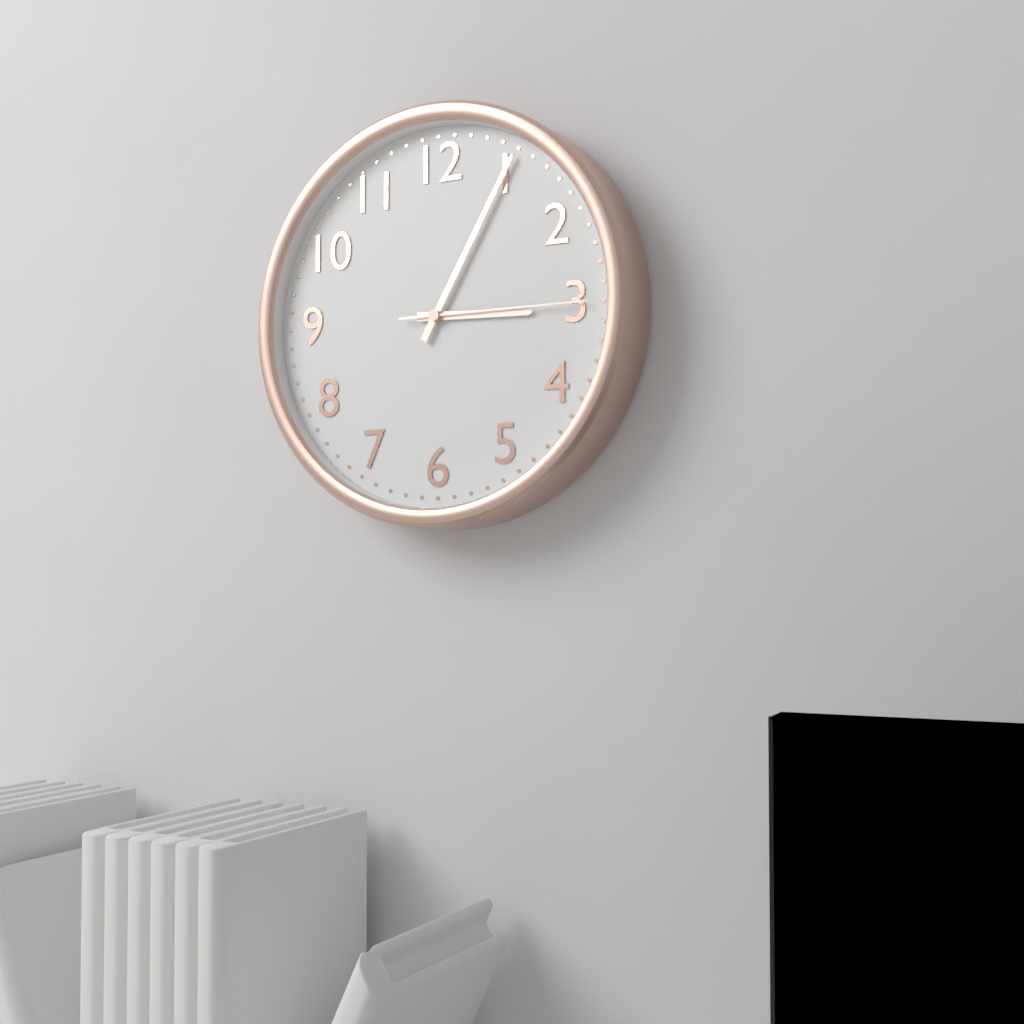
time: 3:05:15
